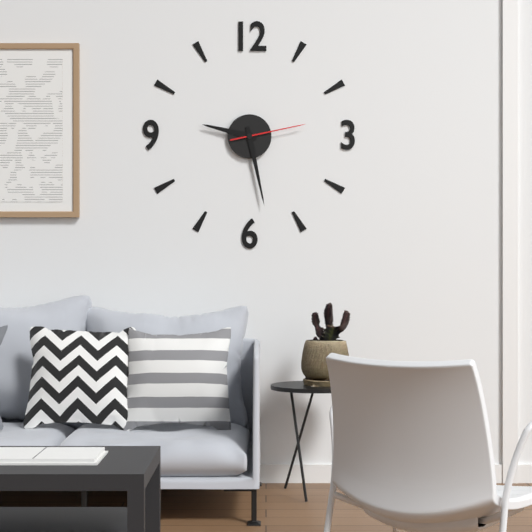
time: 9:28:13
